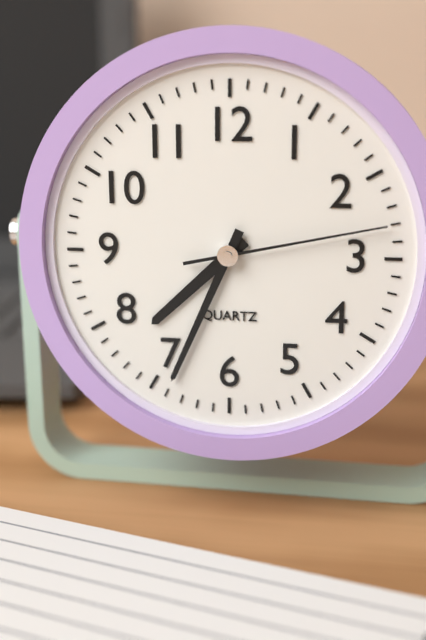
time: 7:34:13
